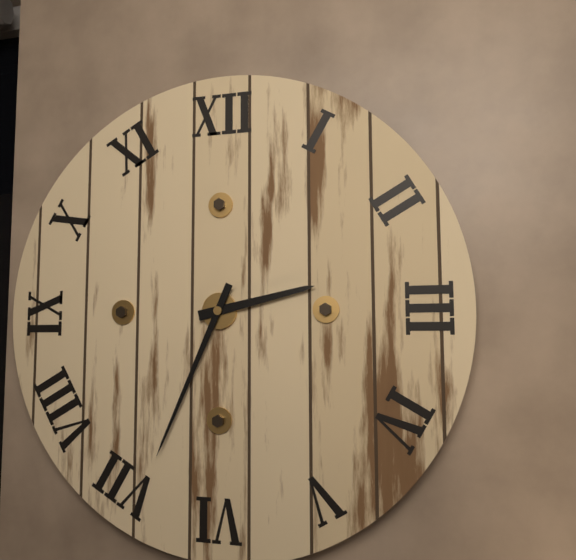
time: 2:34
